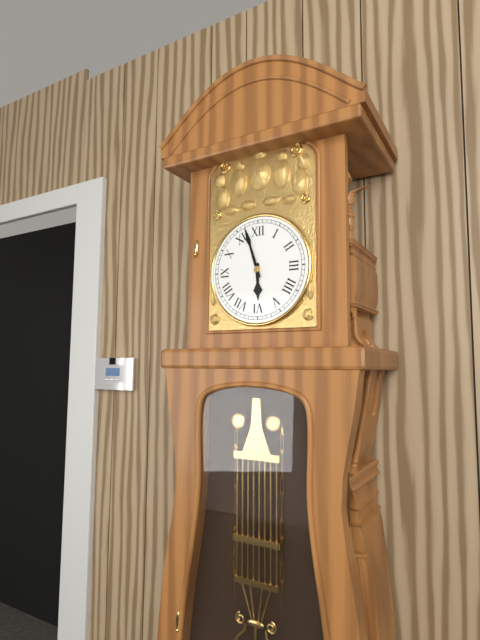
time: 5:57
